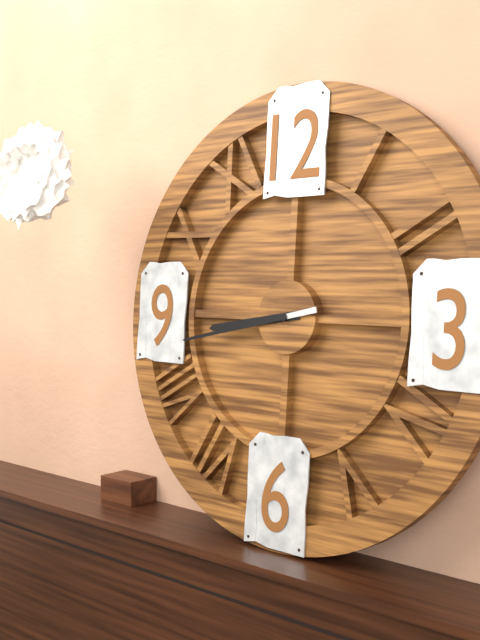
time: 8:43
